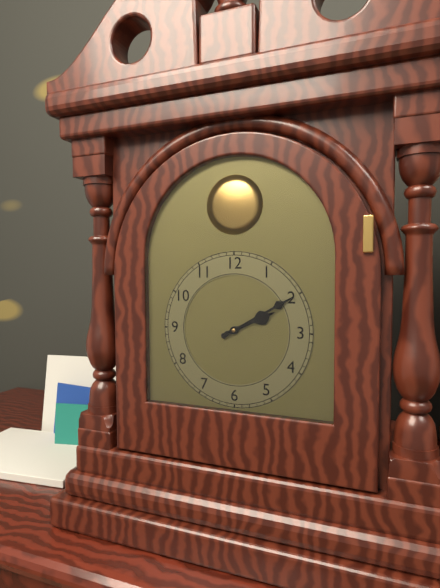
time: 2:10
